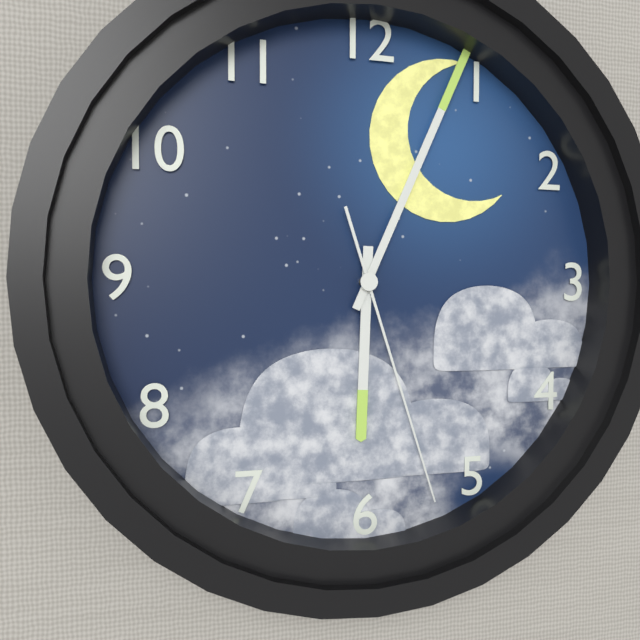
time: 6:04:27
